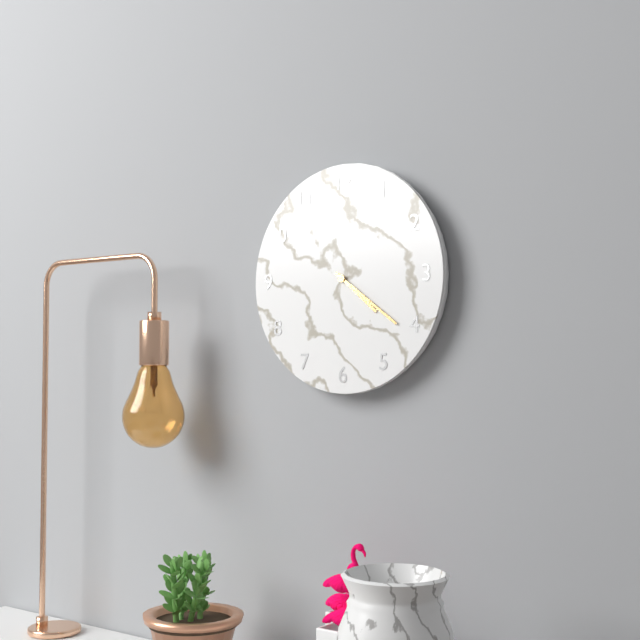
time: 4:21
